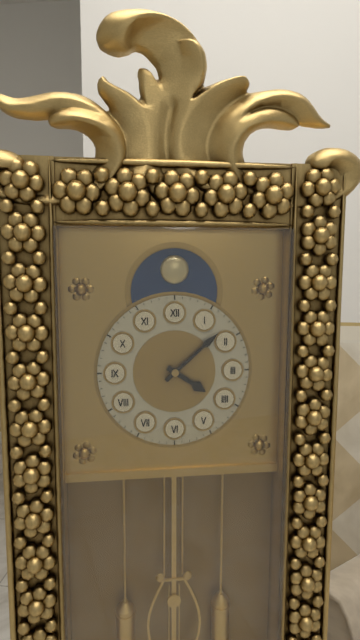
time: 4:08
